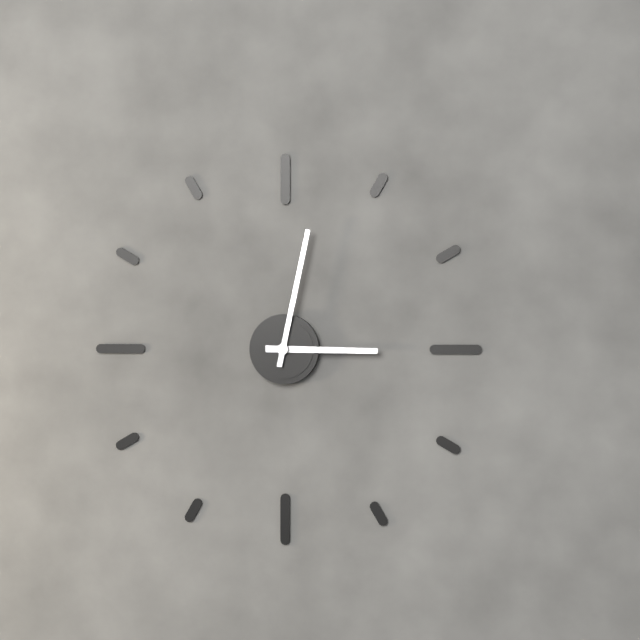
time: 3:02
